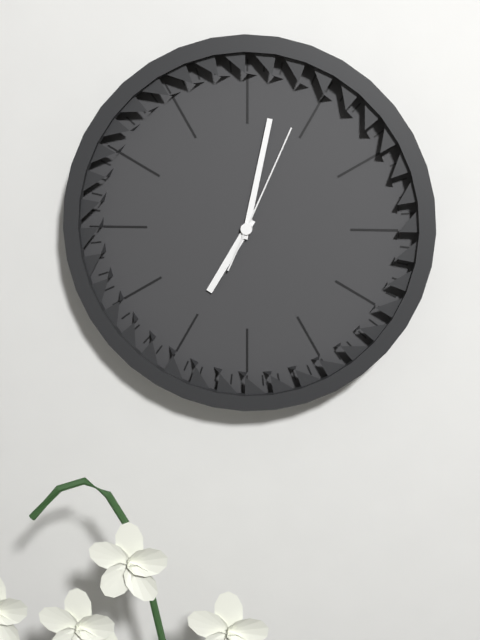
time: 7:02:04
